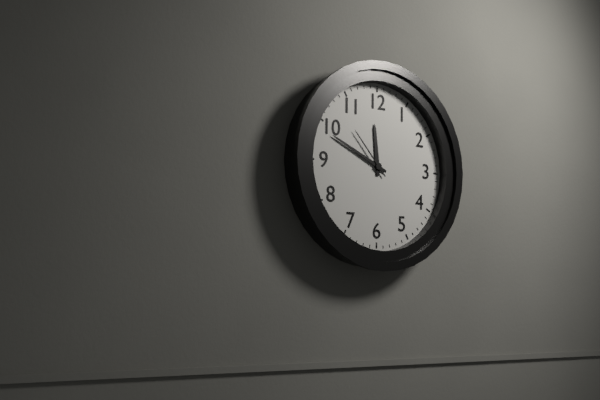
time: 11:49:53
